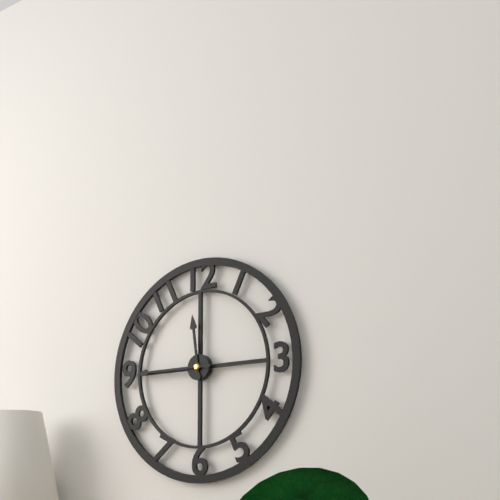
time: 11:45
